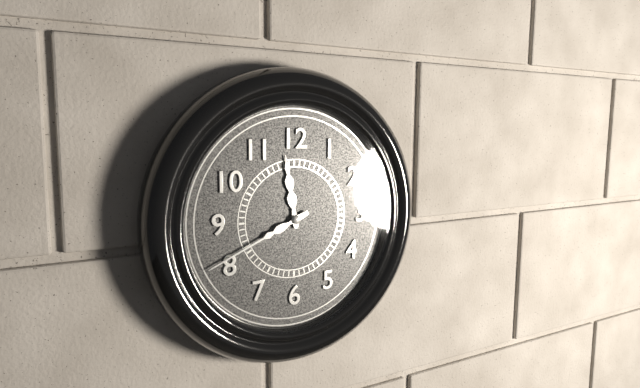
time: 11:41
